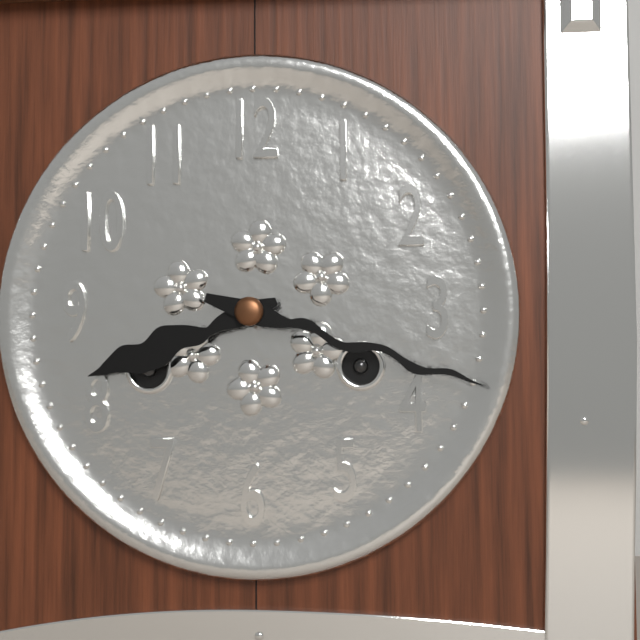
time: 8:18
